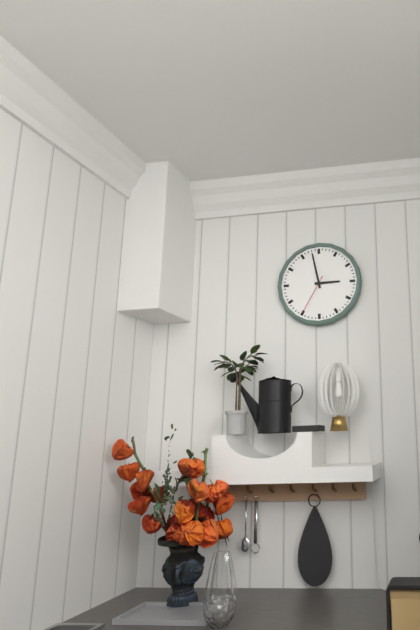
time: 2:58
